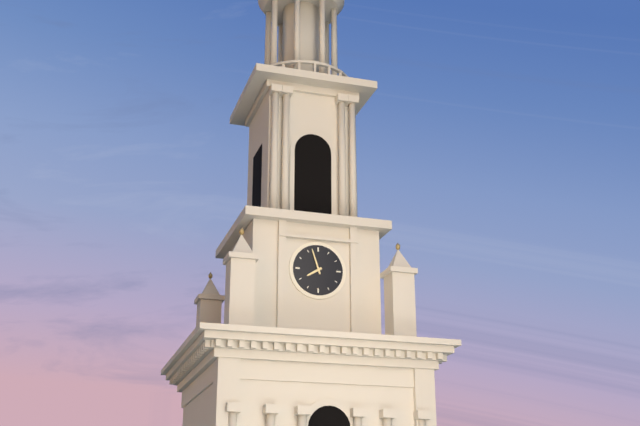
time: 7:57
